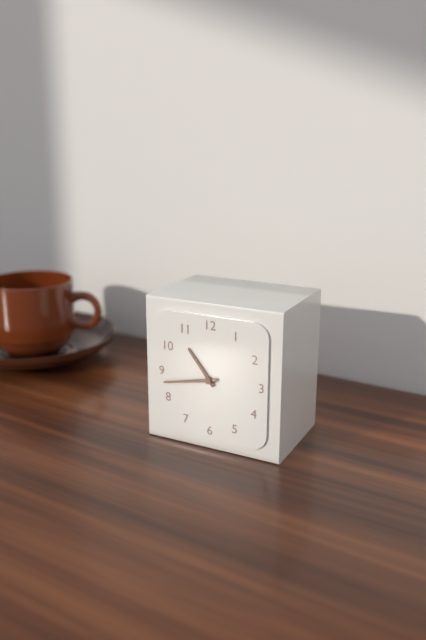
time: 10:43
